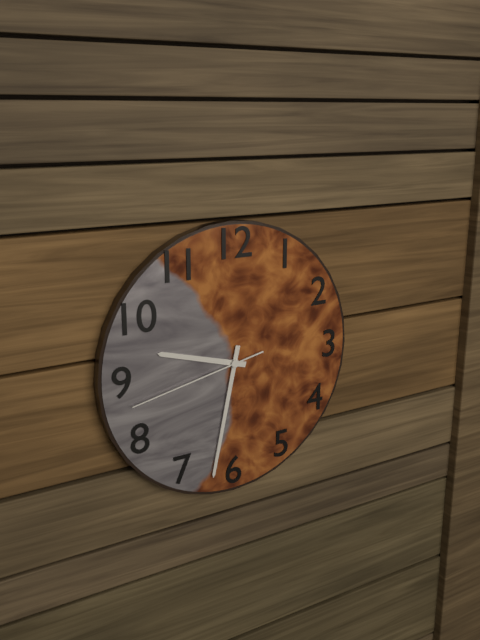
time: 9:32:43
